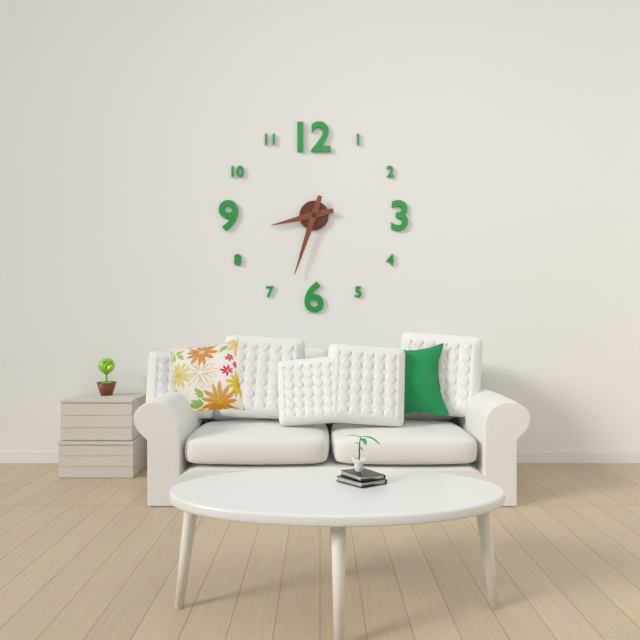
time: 8:33
